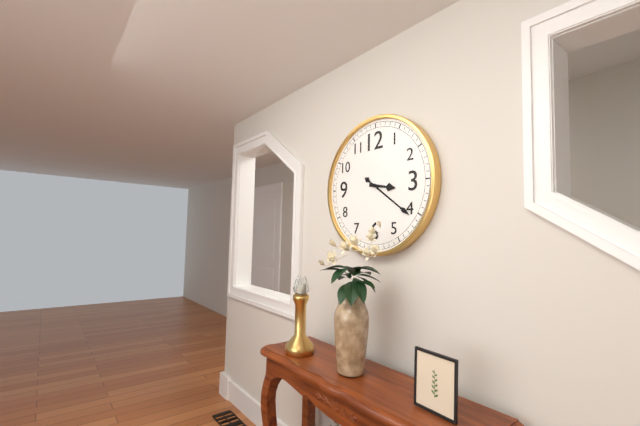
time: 3:21
